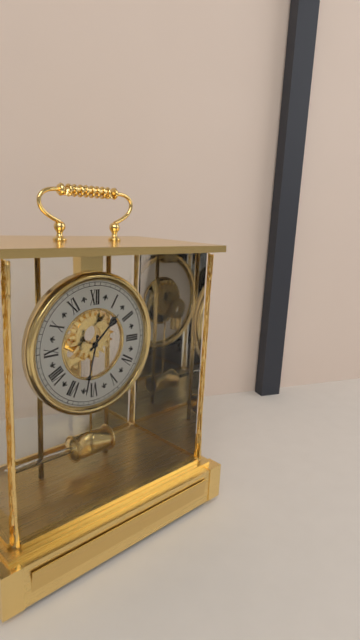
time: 1:32
